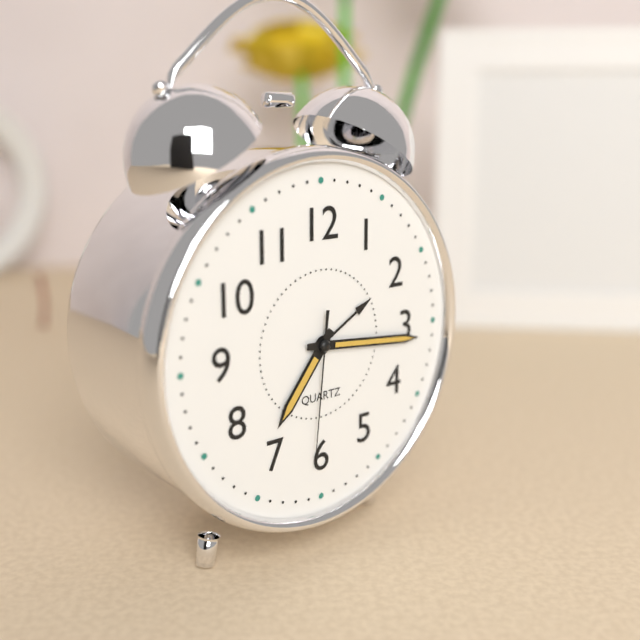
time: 7:16:31
